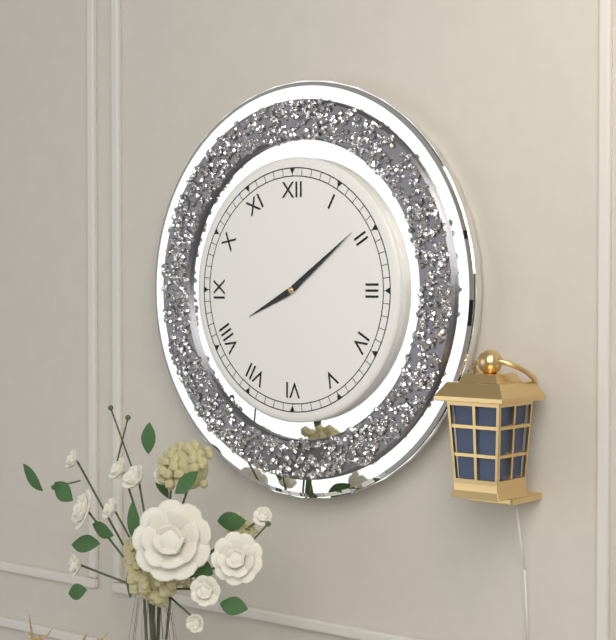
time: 8:09
